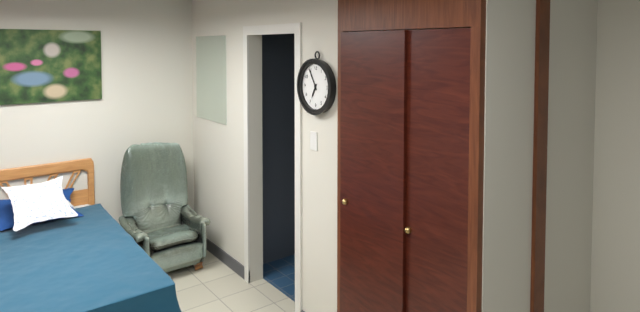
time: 6:55
